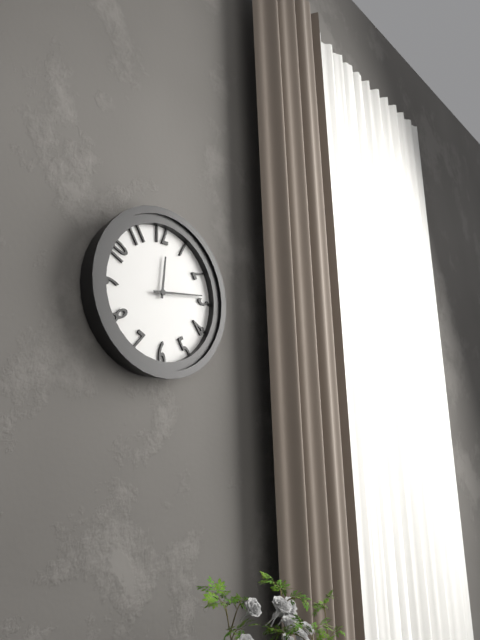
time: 12:14
